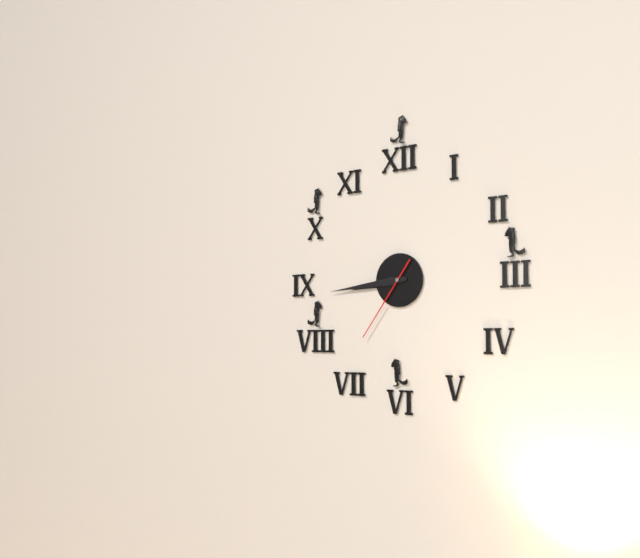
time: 8:44:36
